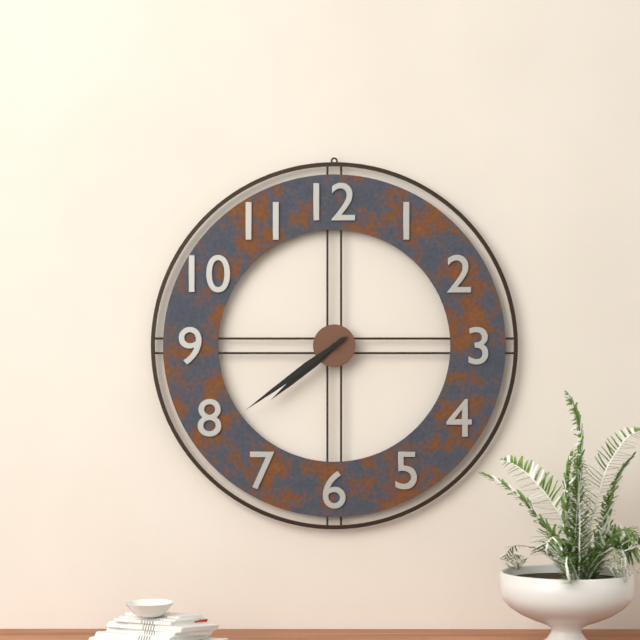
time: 7:39
